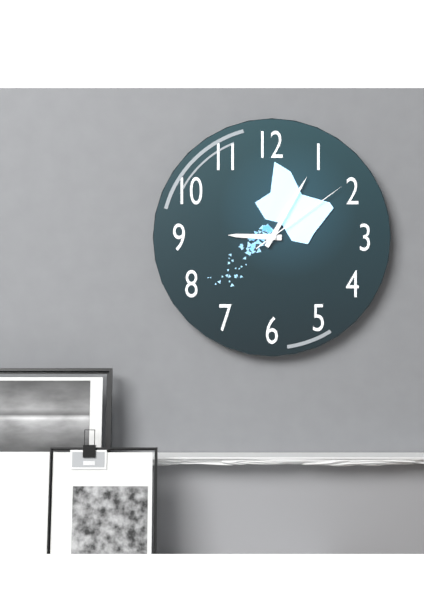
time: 9:05:09
